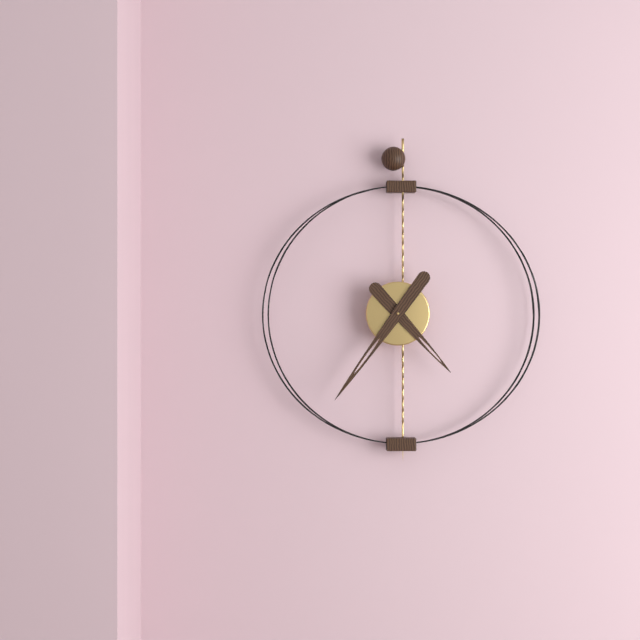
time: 4:36
